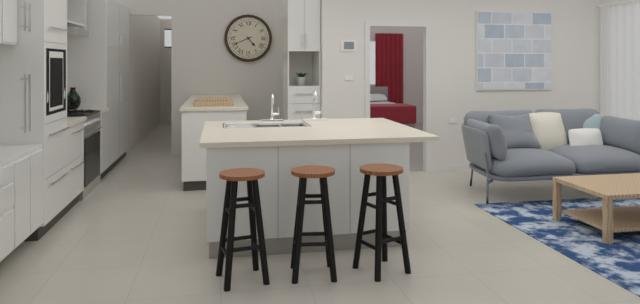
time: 4:41
